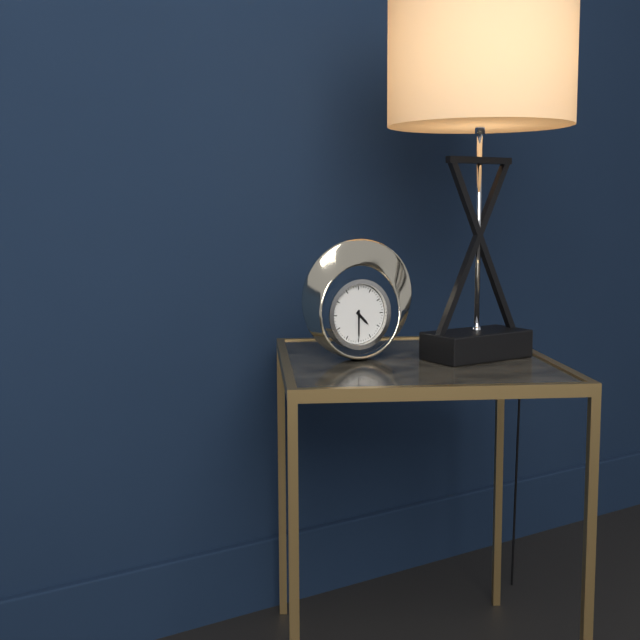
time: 4:30
